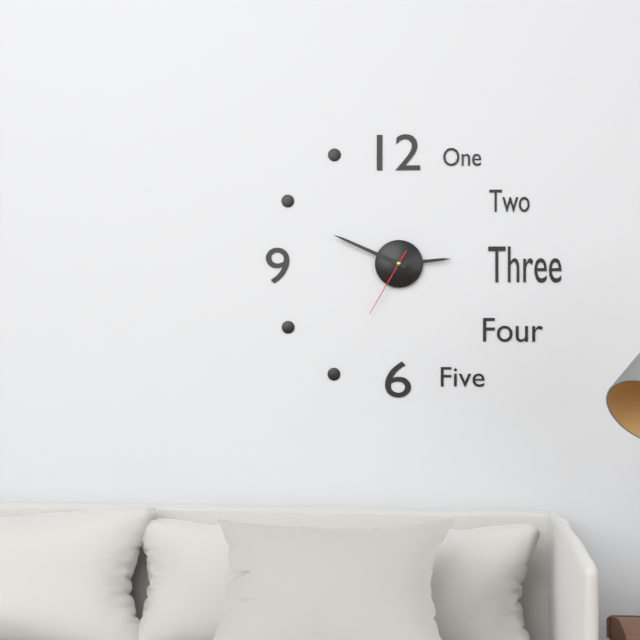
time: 2:49:35
